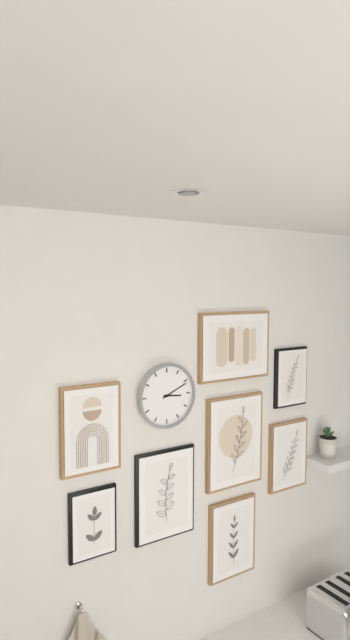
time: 3:11
